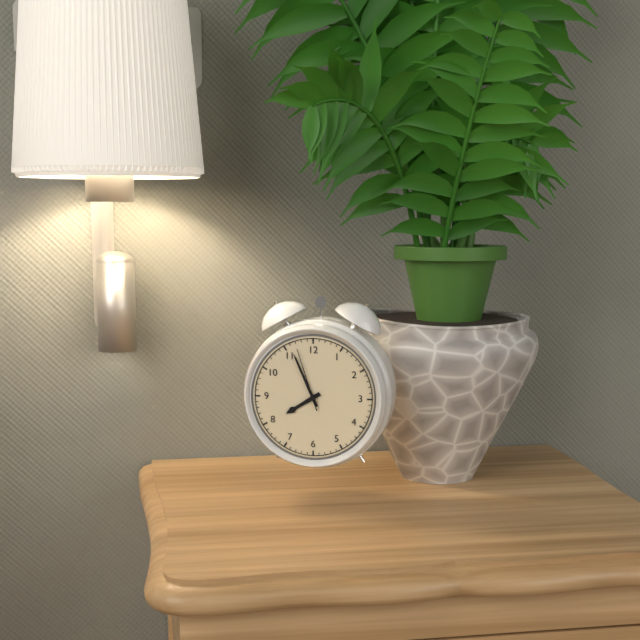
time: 7:56:57
